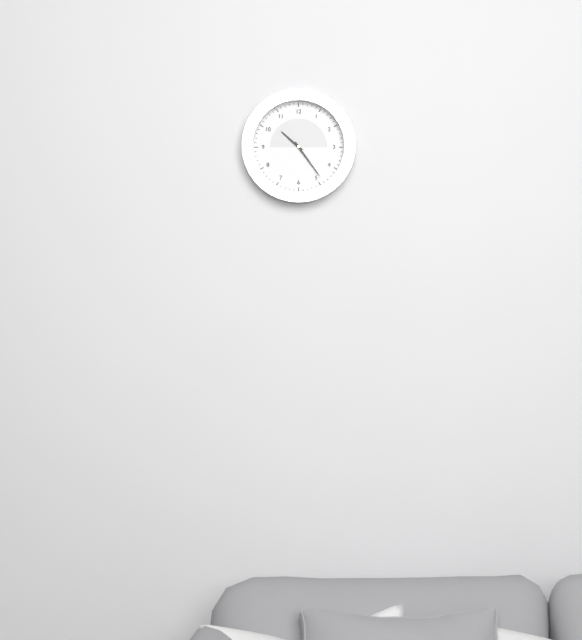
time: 10:24
